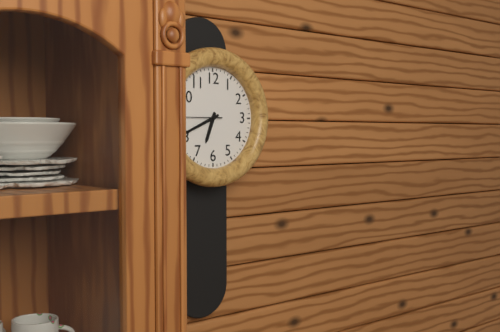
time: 6:41
